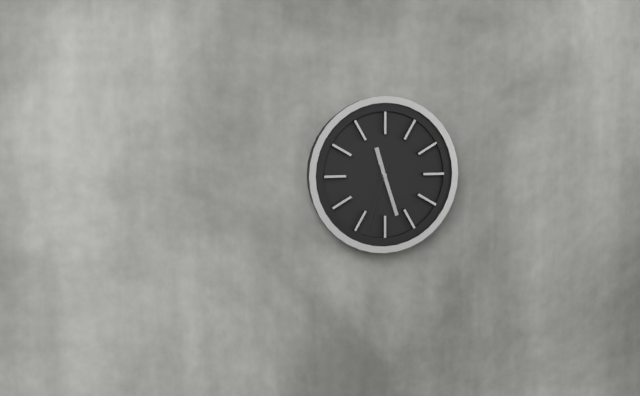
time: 11:27:33
